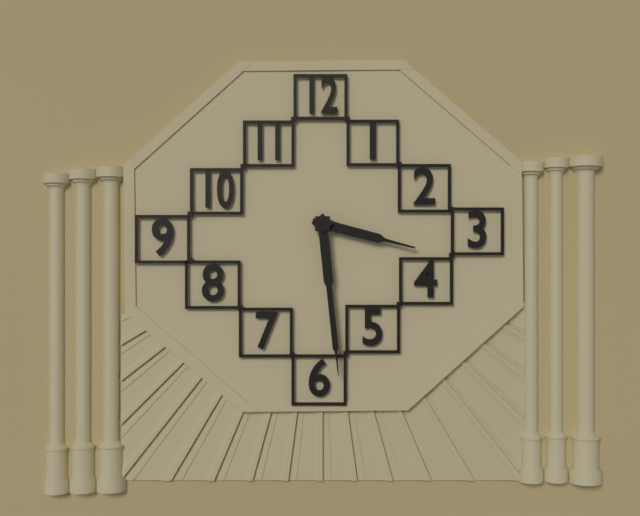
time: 3:29
